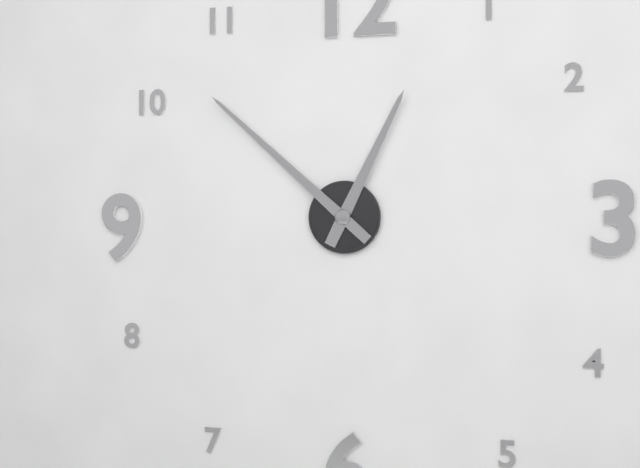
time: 12:52
